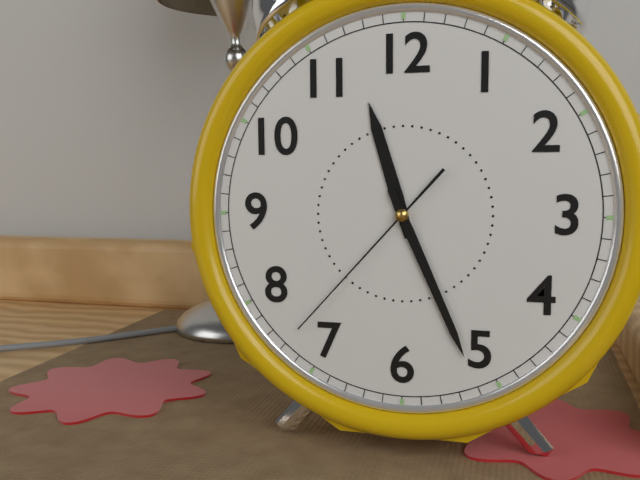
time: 11:26:37
